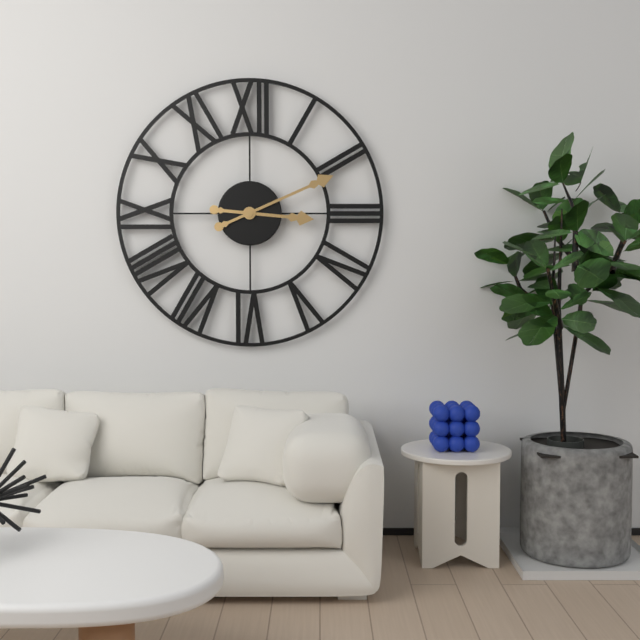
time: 3:11
